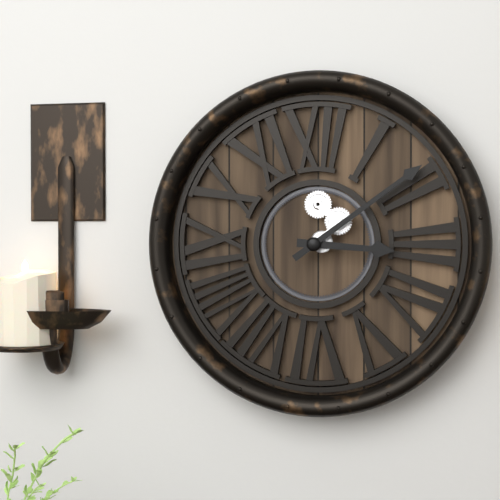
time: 3:09
